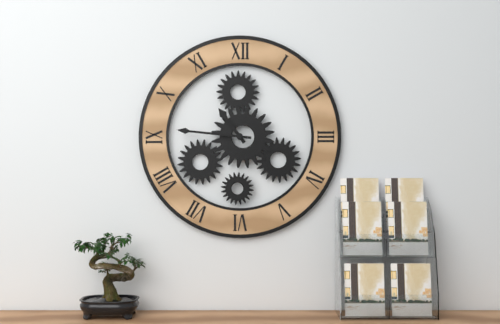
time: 10:46
